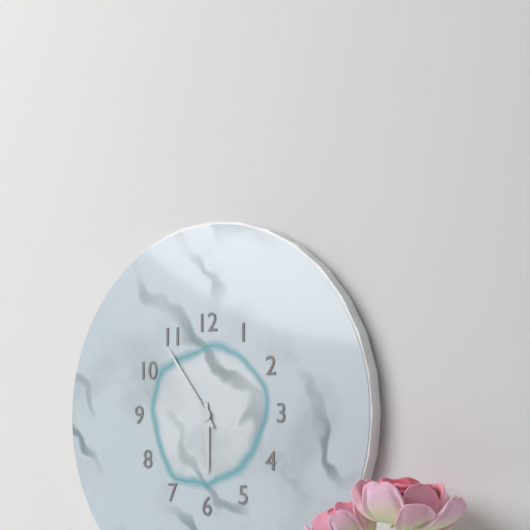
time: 5:54
